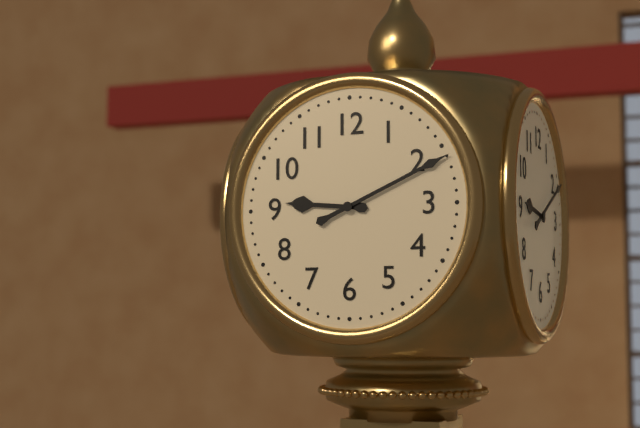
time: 9:11
